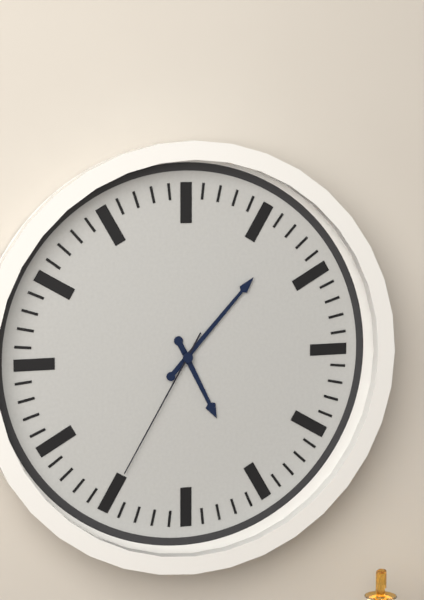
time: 5:07:35
